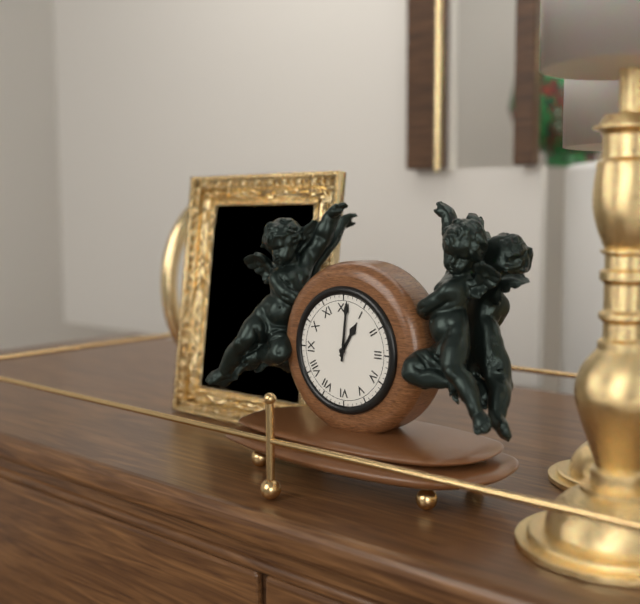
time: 1:01
